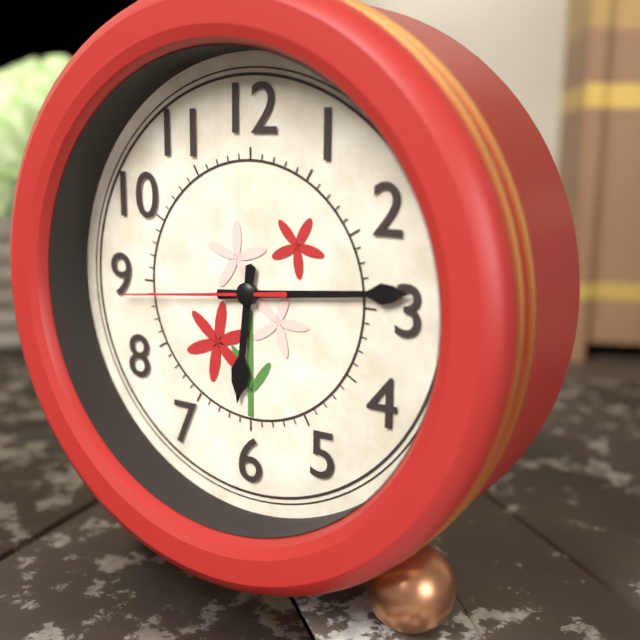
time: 6:14:44
